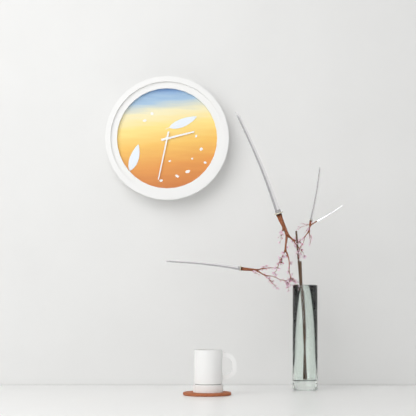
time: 2:32
